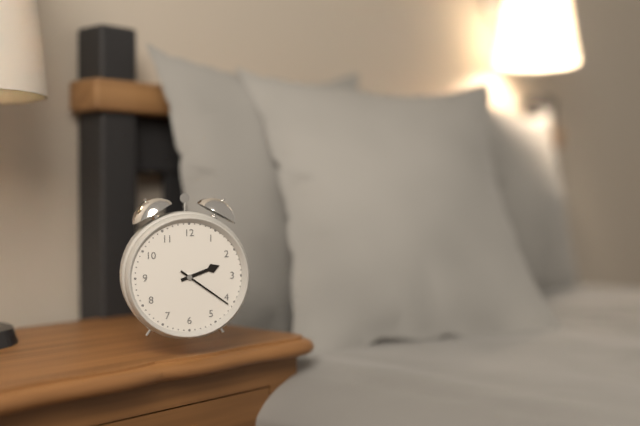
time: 2:21
